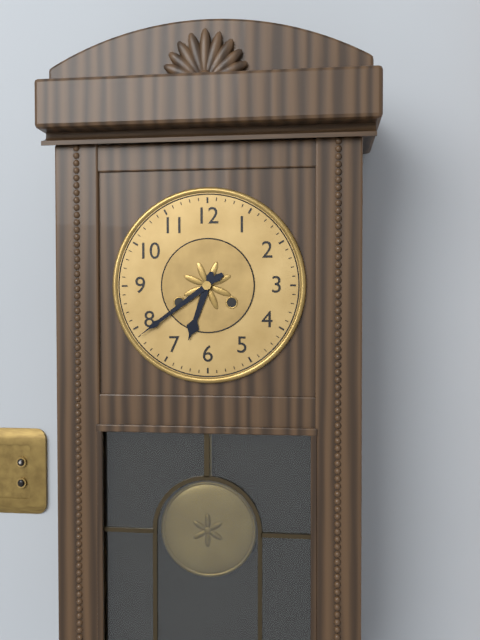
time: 6:39
